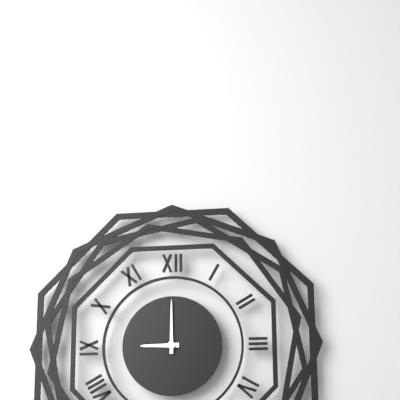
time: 9:00
